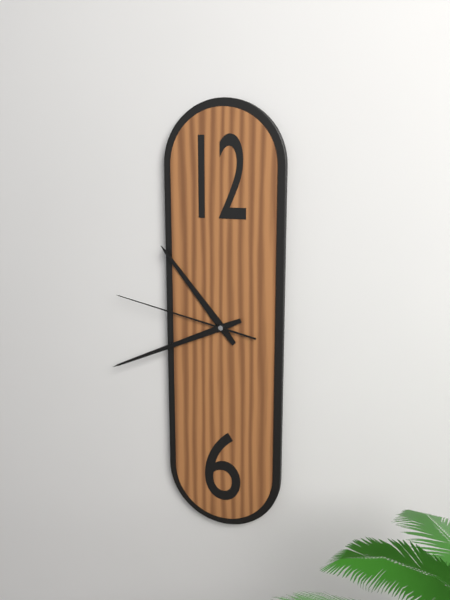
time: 10:41:47
